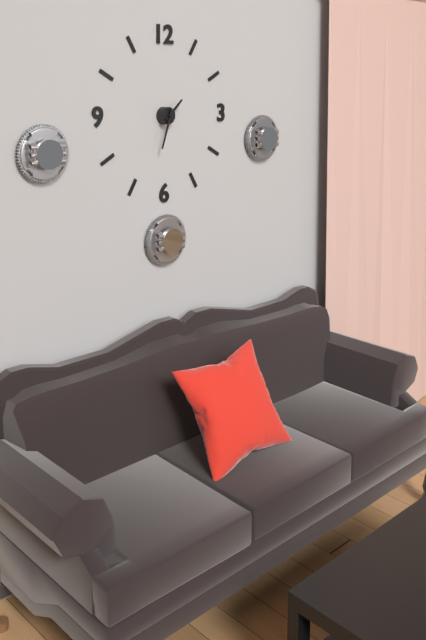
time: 1:33
